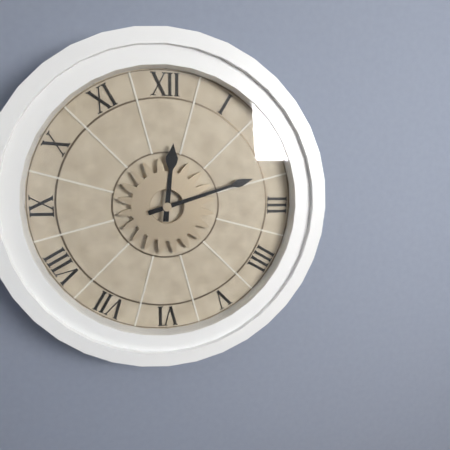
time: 12:12
